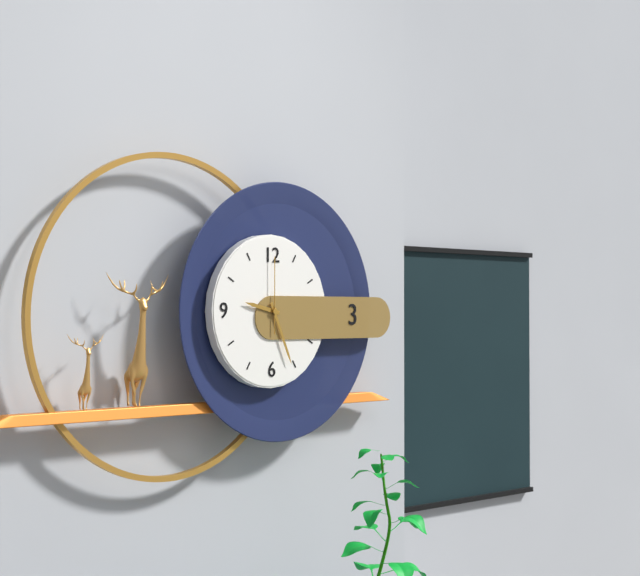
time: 9:26:00
